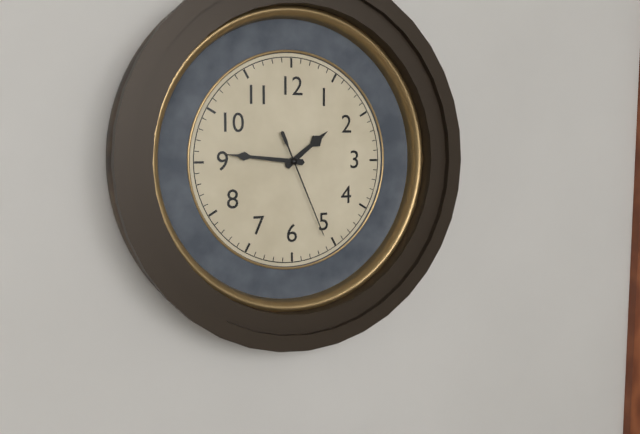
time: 1:46:26
